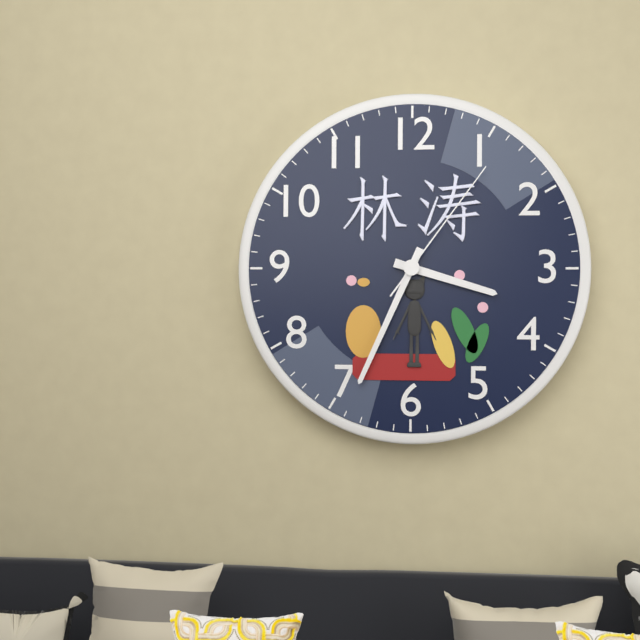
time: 3:34:06
